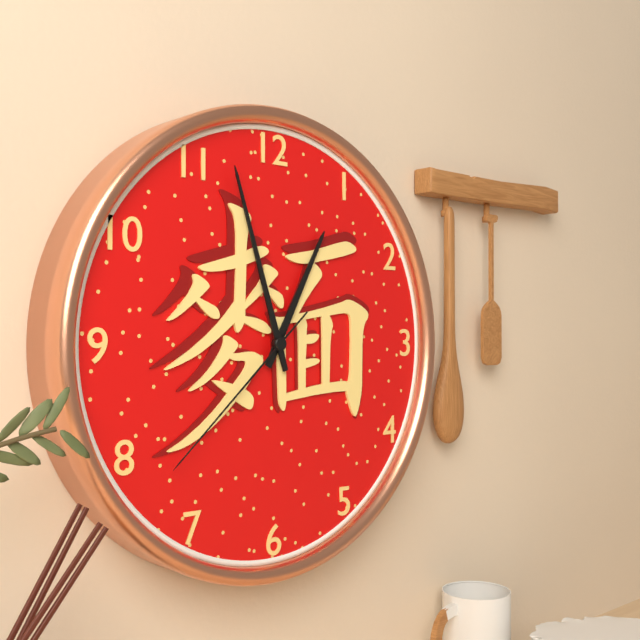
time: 12:57:38
